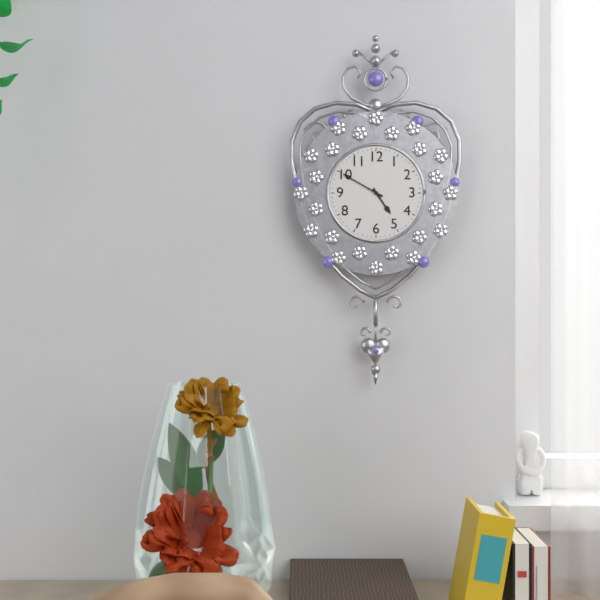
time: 4:50
